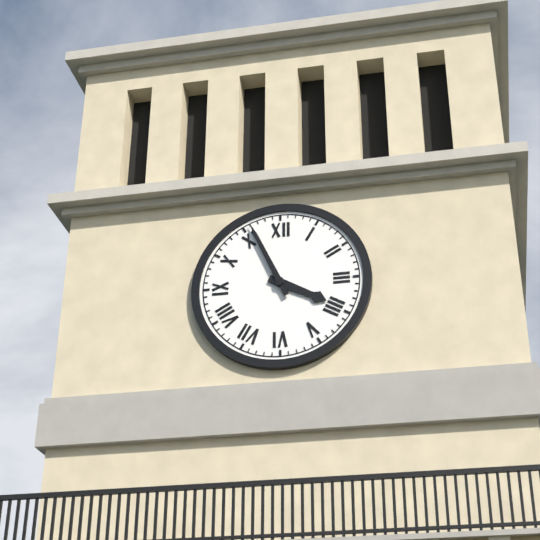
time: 3:56
